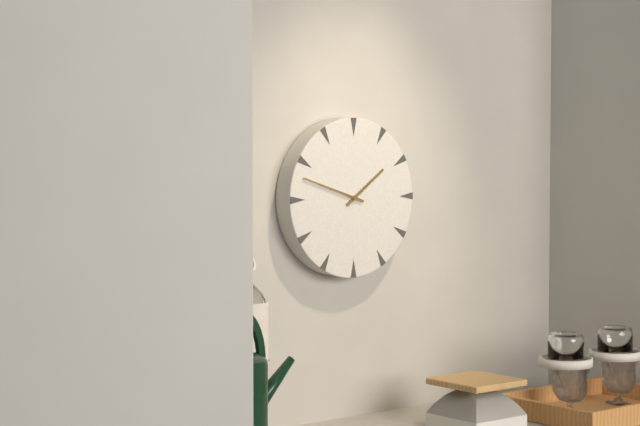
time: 1:48
